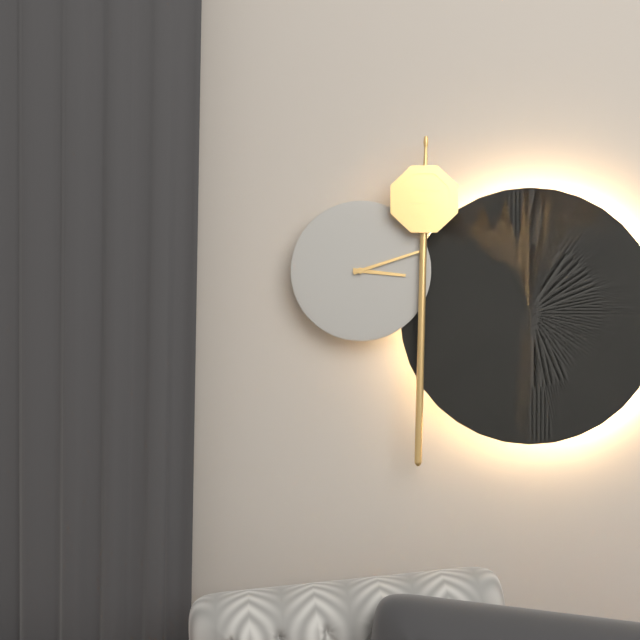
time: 3:12
